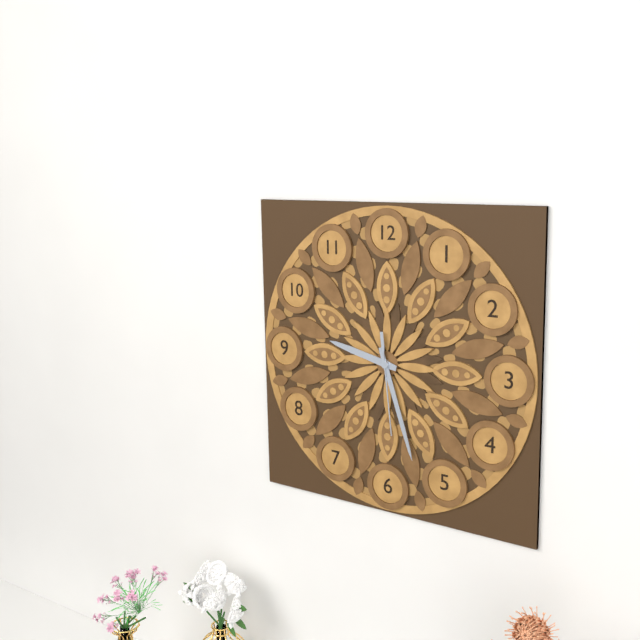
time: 9:27:29
